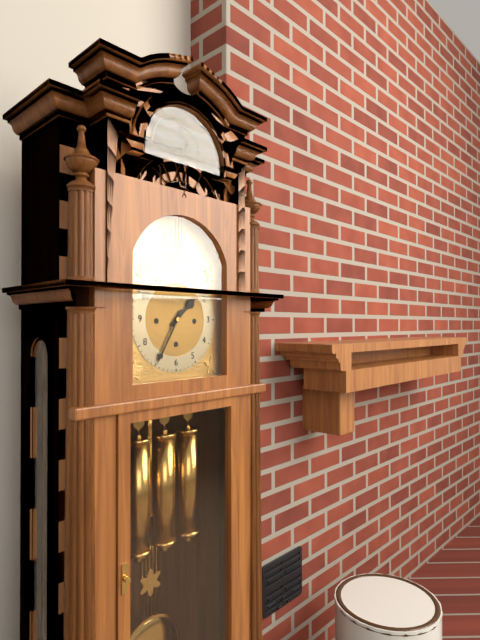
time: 1:35
